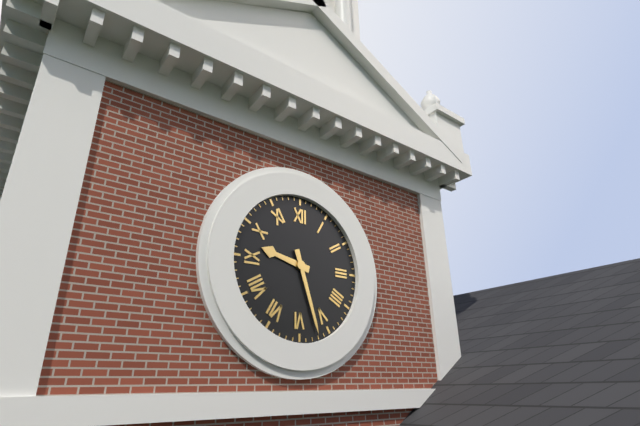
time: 9:27
